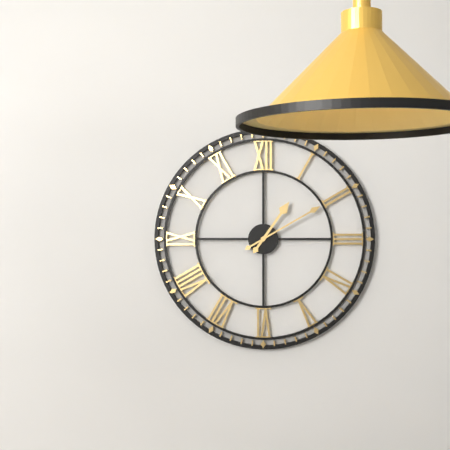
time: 1:10
